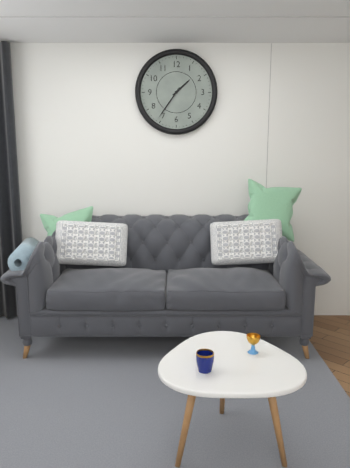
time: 1:36
